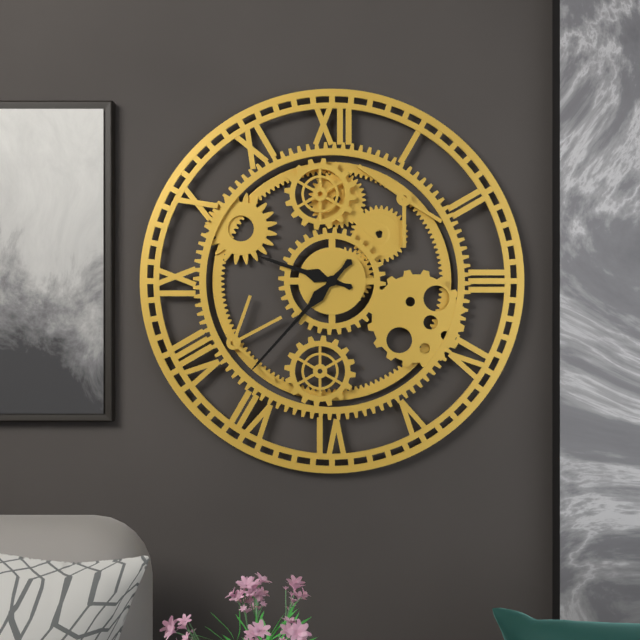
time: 9:37
